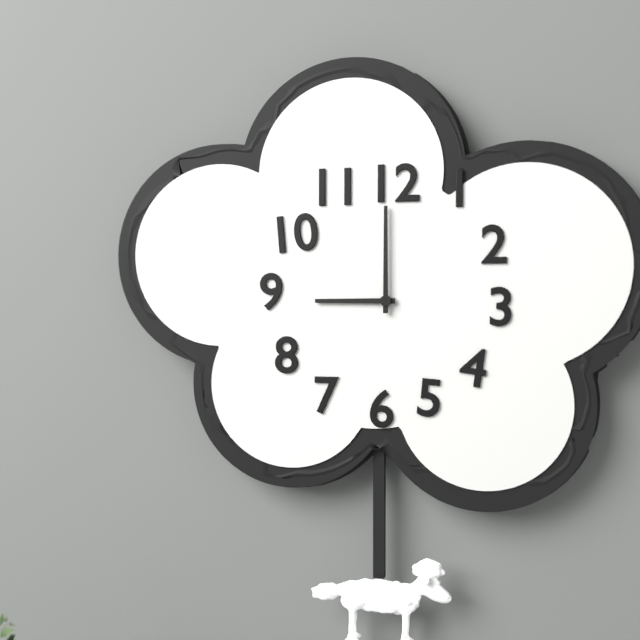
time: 9:00
